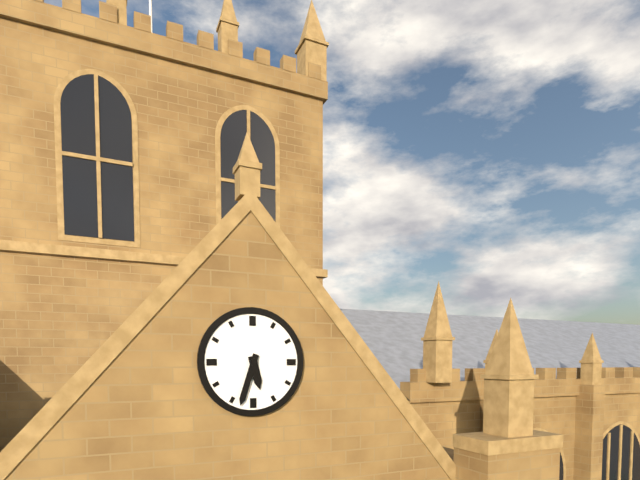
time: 5:33
